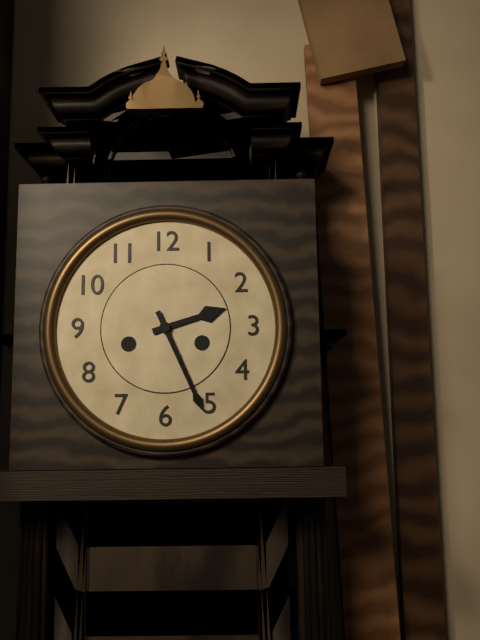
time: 2:26
